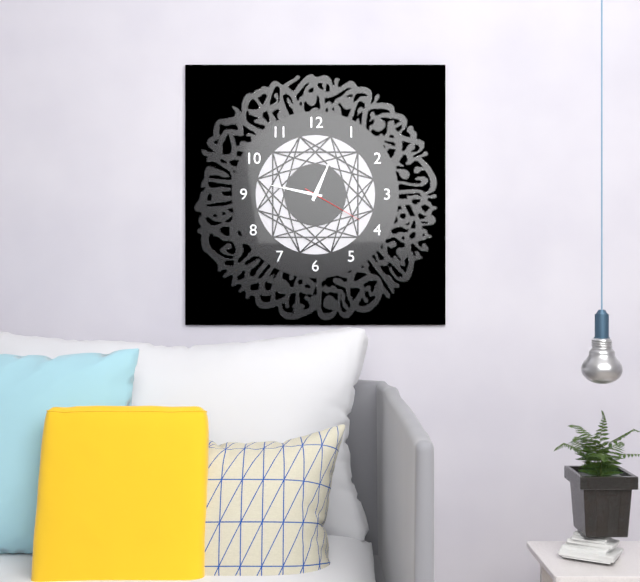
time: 12:47:20
